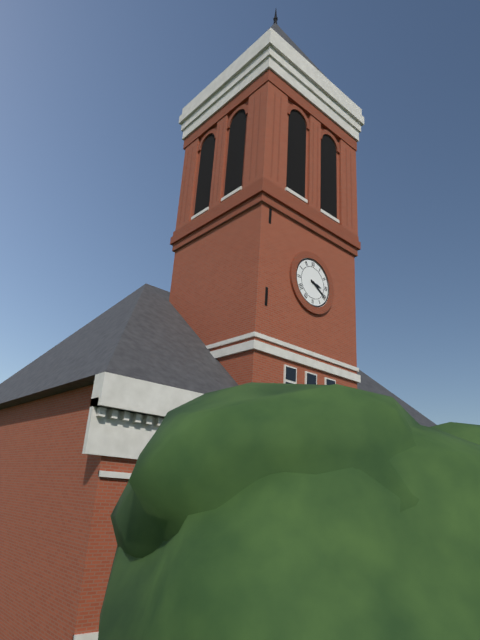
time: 3:20
